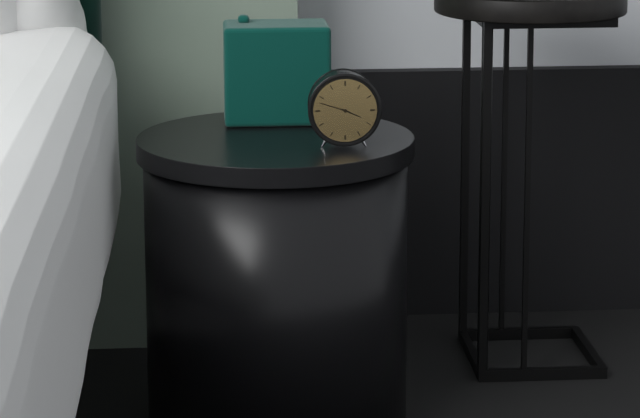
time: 3:48
